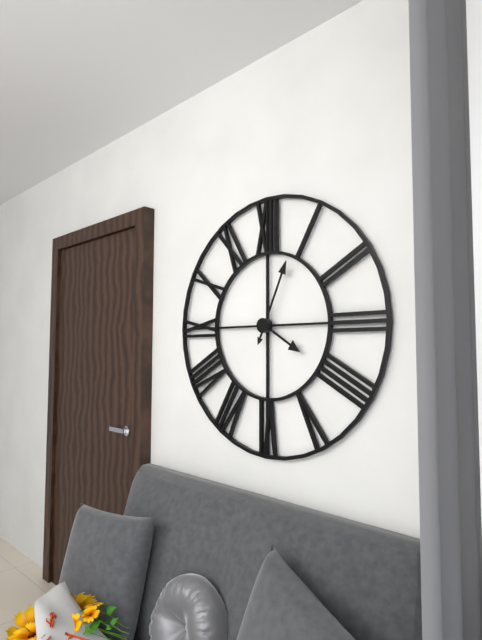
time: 4:04
